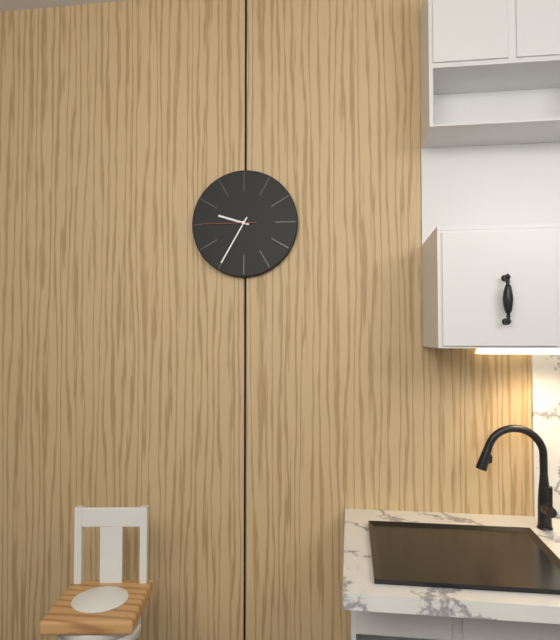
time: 9:35:45
